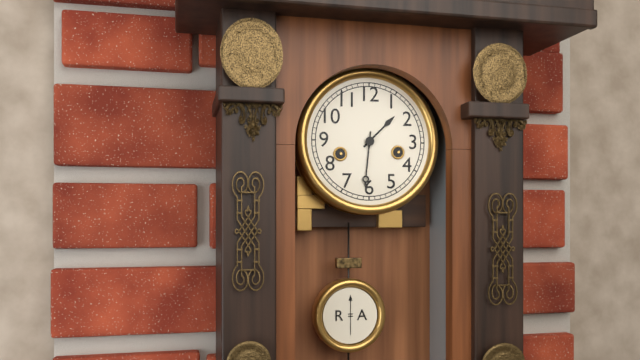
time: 1:31
